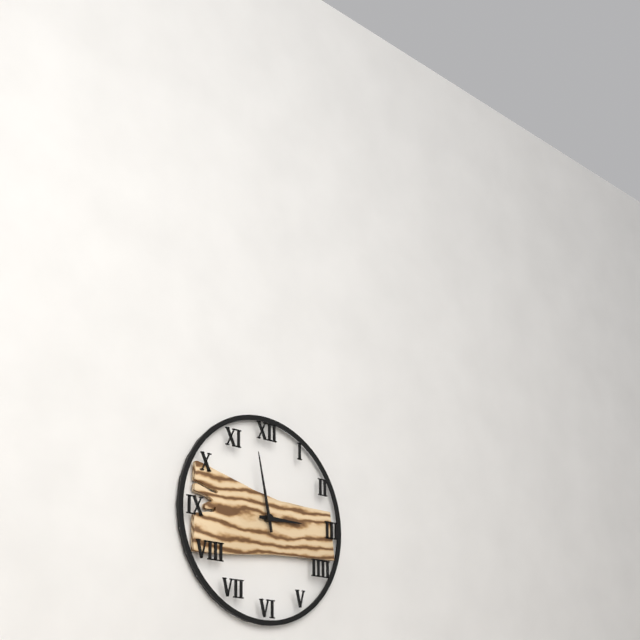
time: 2:58
